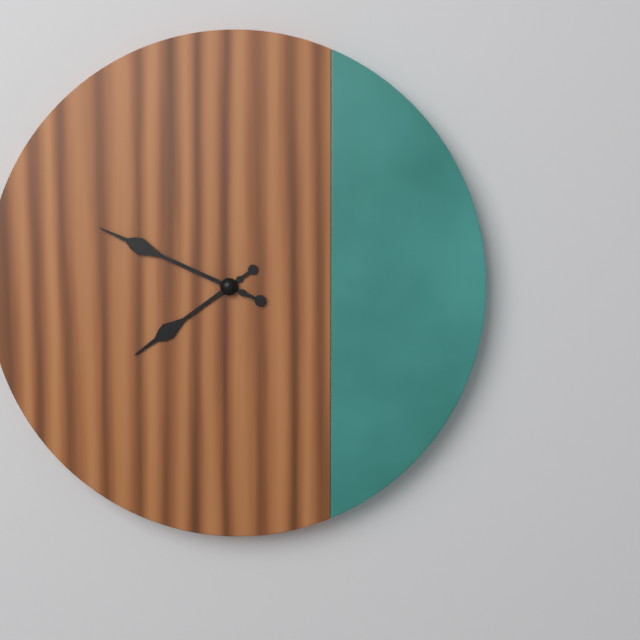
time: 7:49
